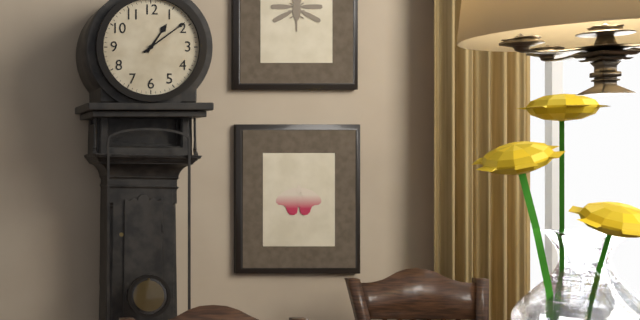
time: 1:09
